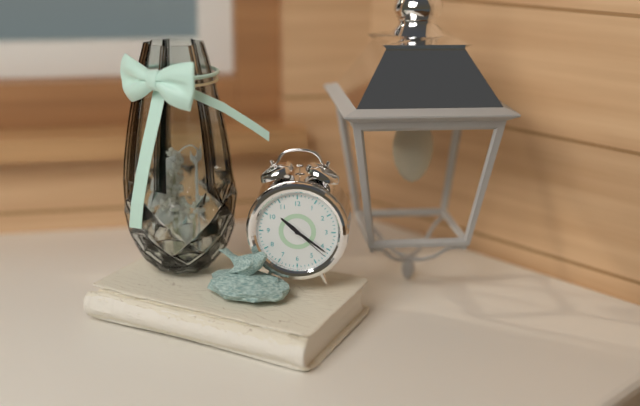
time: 10:21
